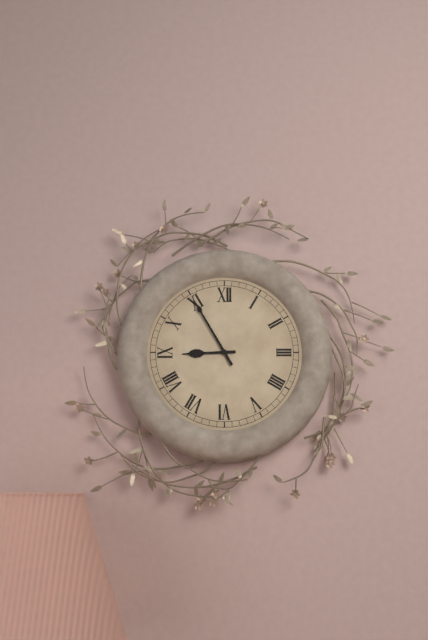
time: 8:55
